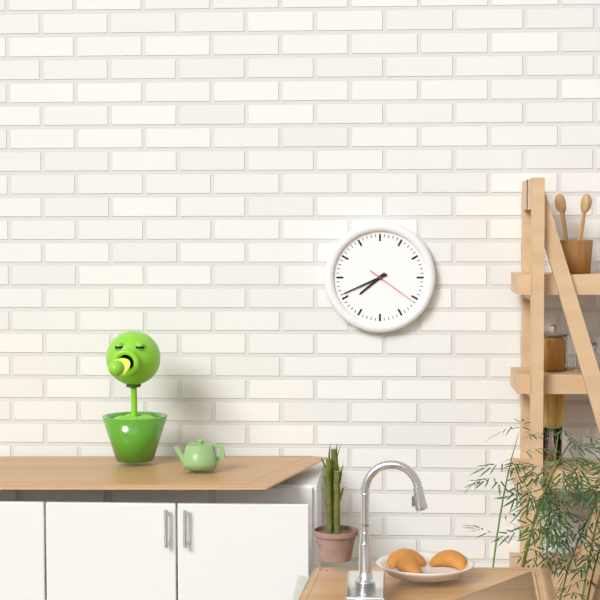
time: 7:41:21
